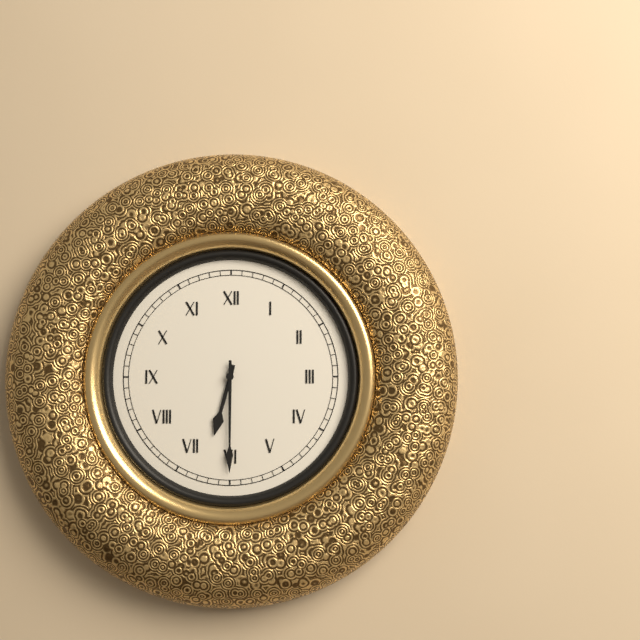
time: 6:30
